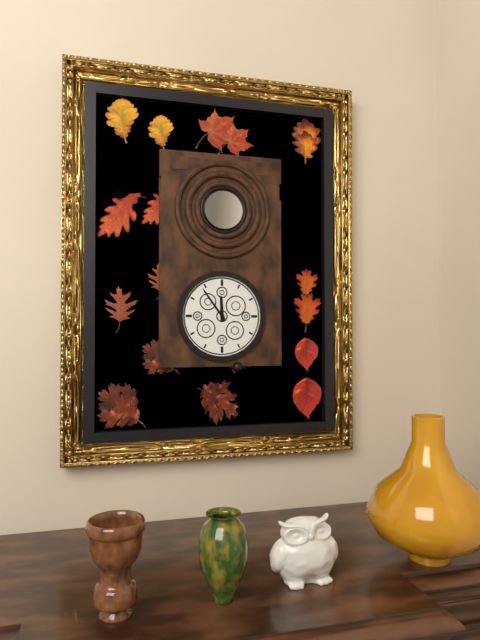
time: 11:54
